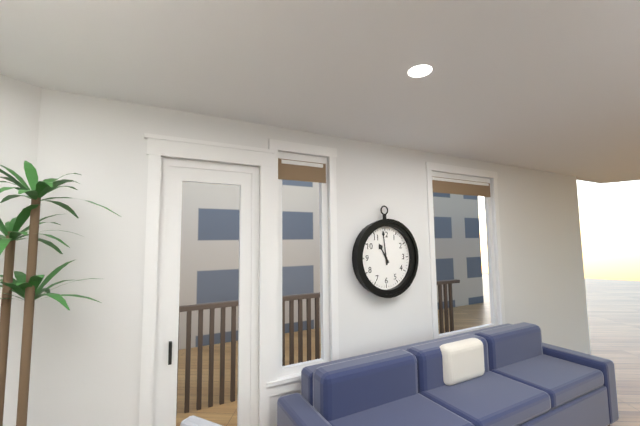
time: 10:59
